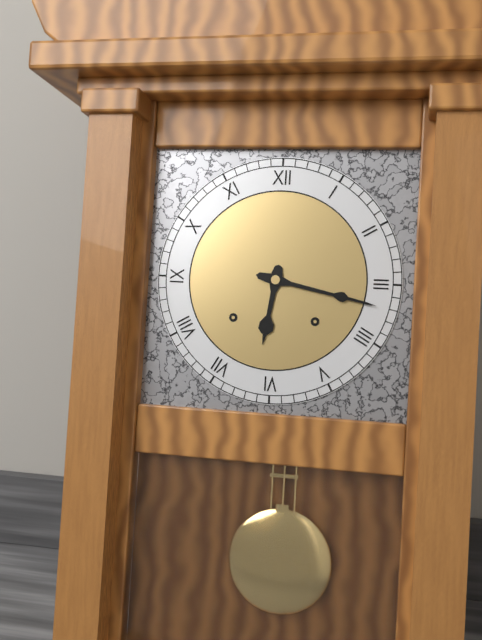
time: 6:17
